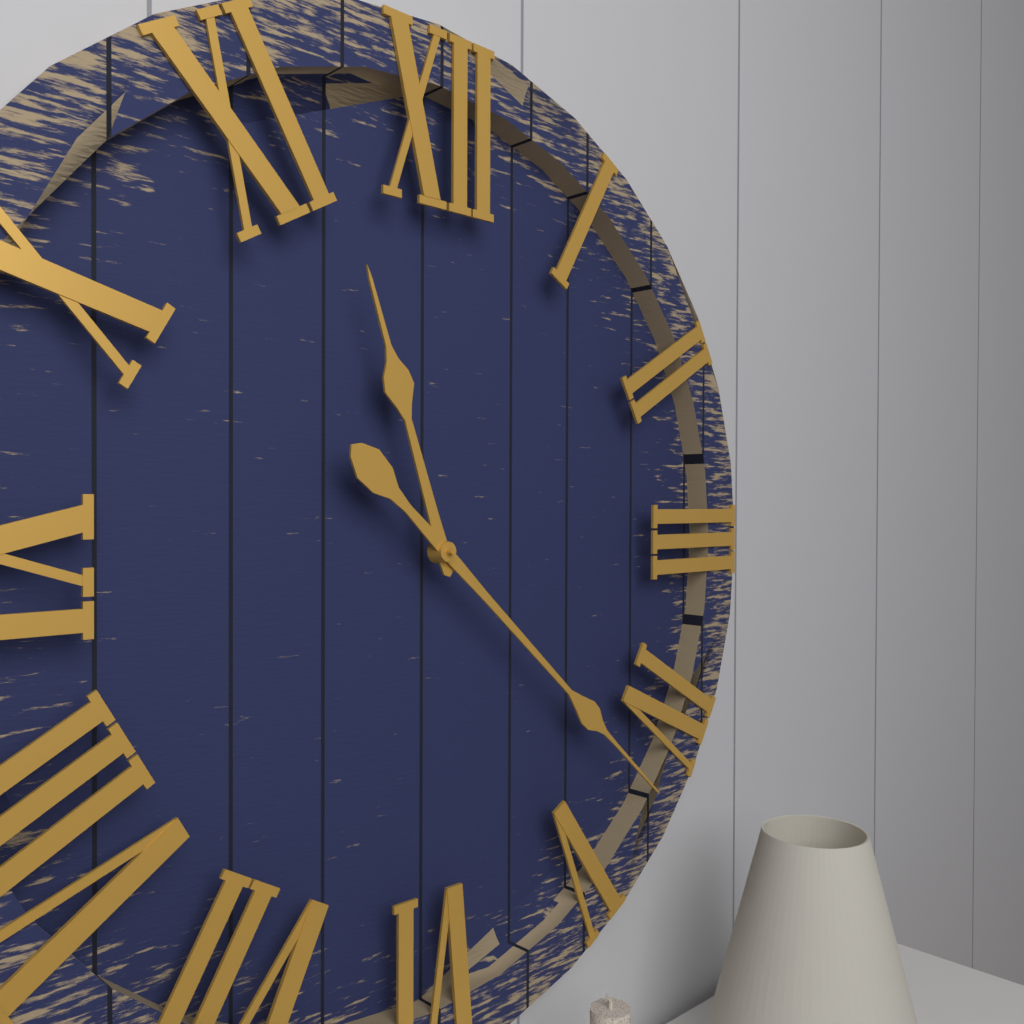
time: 11:22
